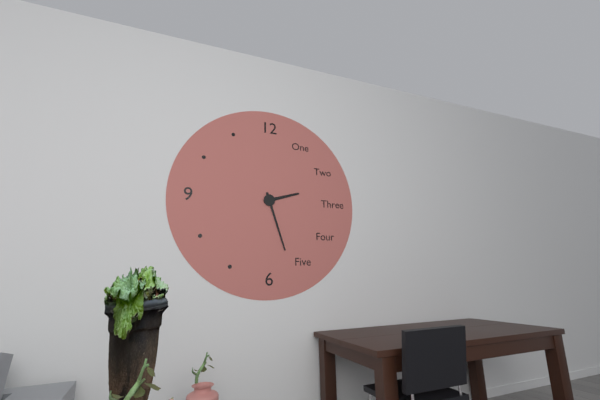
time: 2:27
